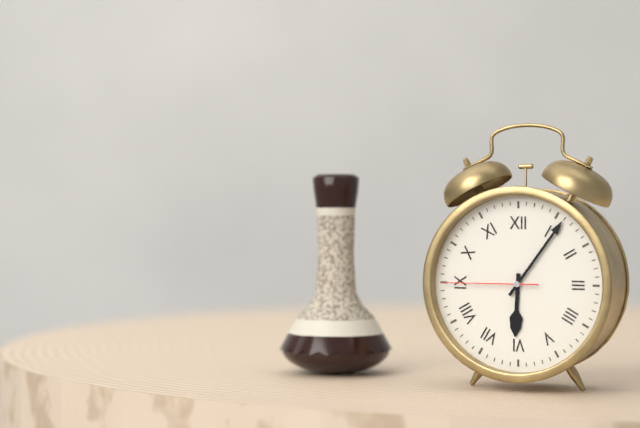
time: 6:06:45
